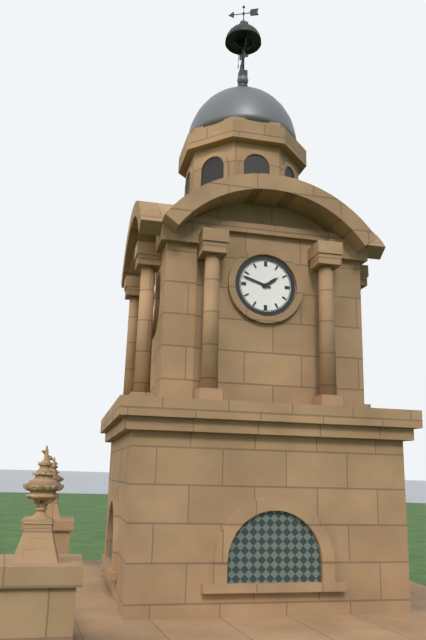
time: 1:48
